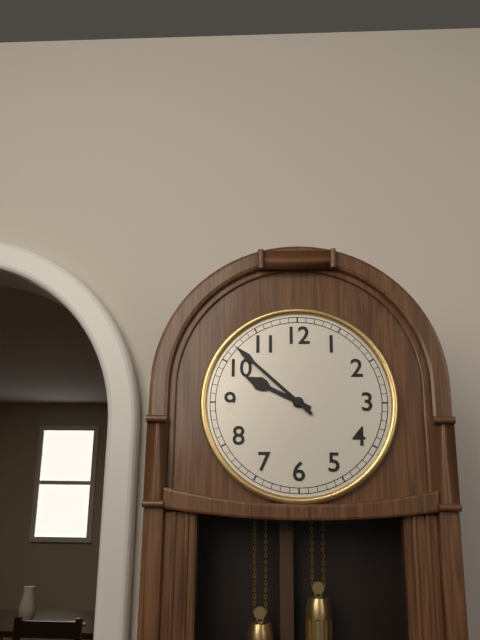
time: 9:52
